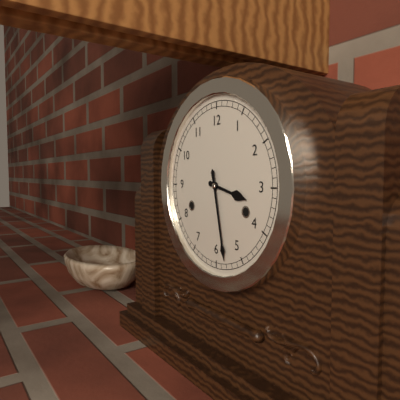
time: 3:28
